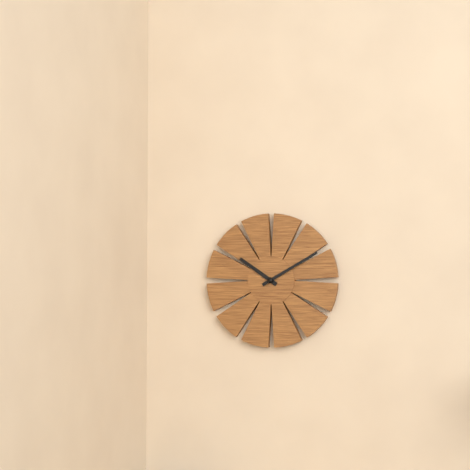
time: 10:10
